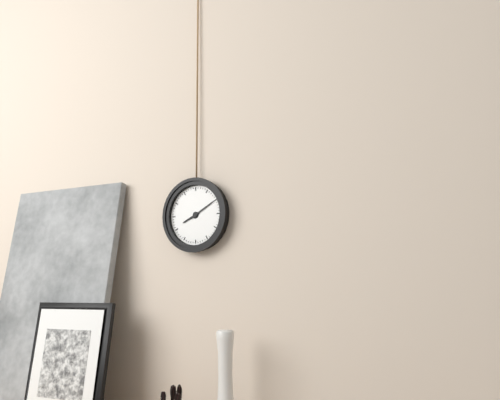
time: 8:10
